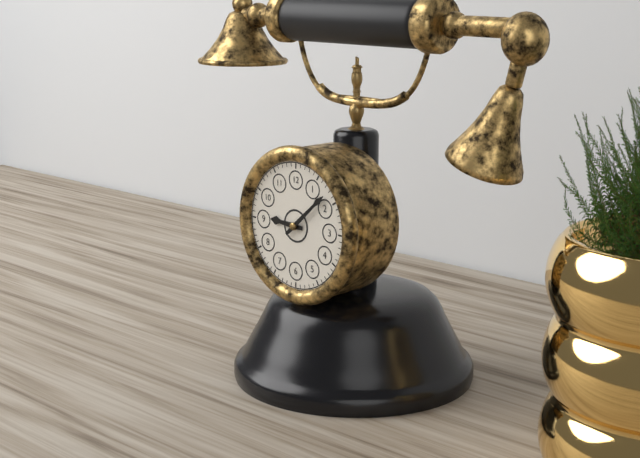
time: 9:08
